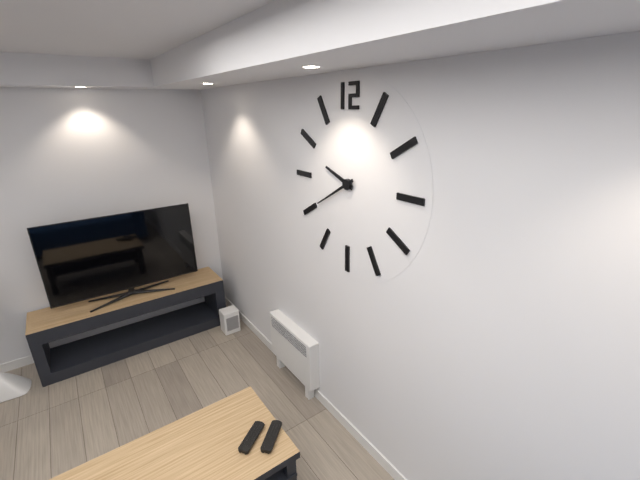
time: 9:40
